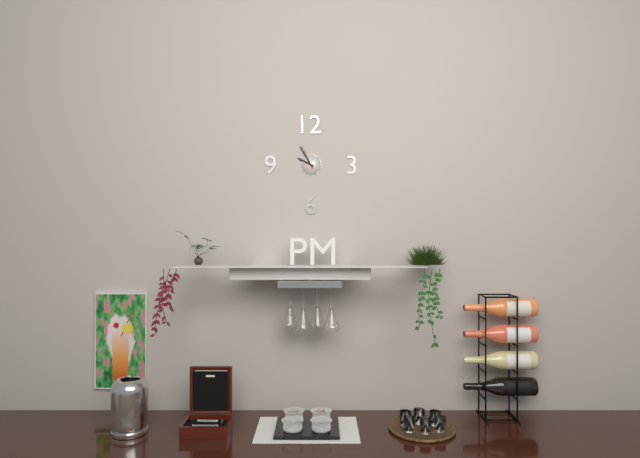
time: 9:55
